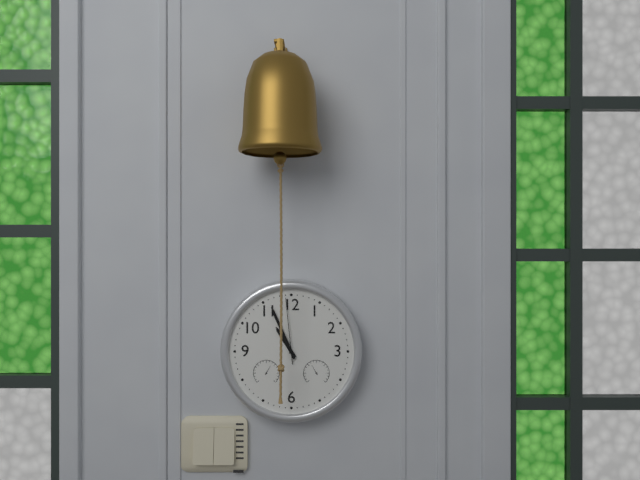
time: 10:56:59
